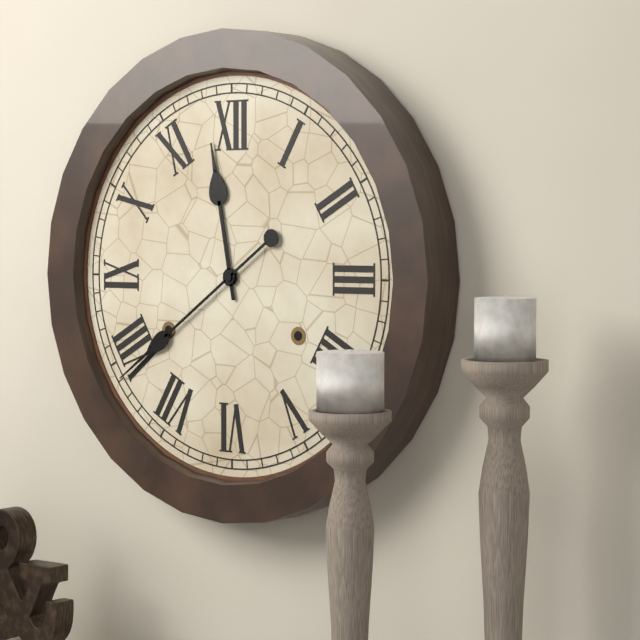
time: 11:39
